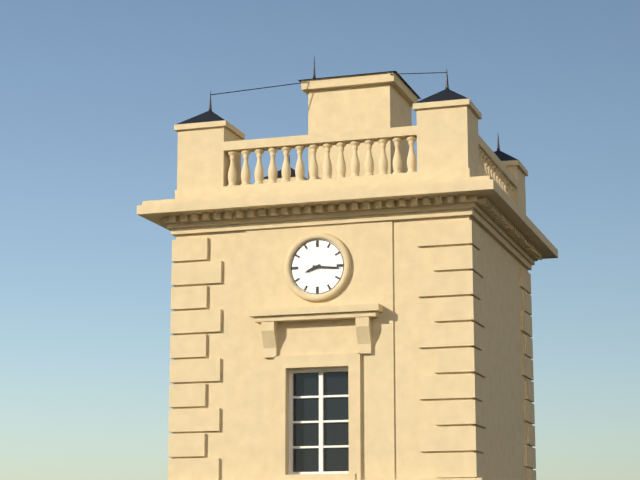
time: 8:16
